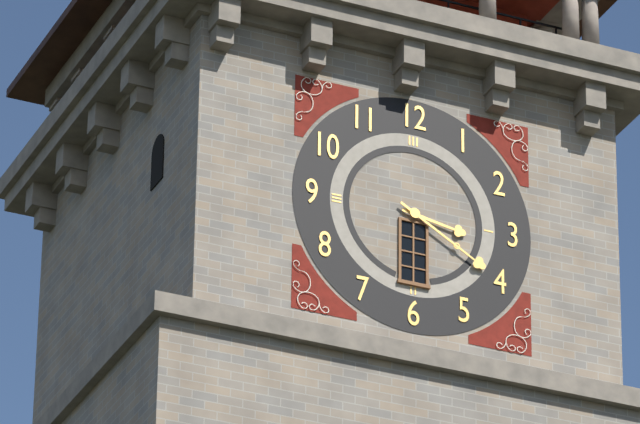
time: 3:20
